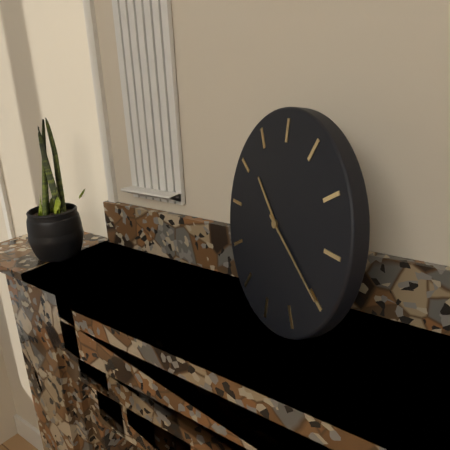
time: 10:20
